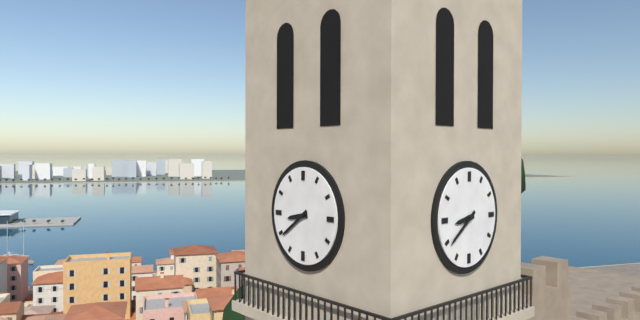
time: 8:39
